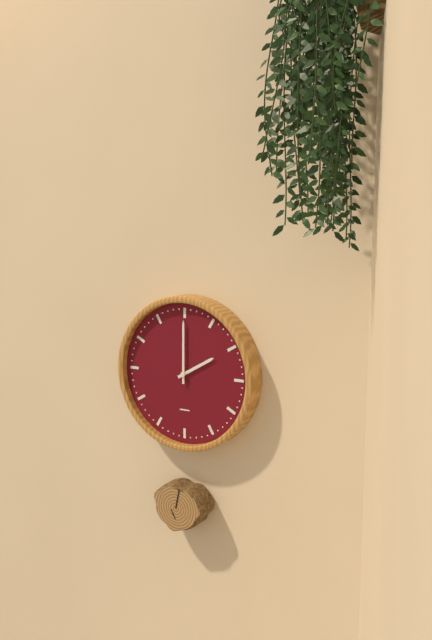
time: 2:00
